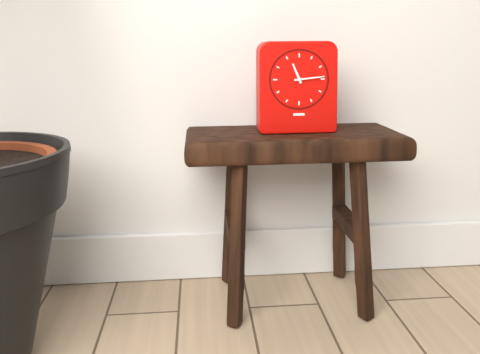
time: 11:14
